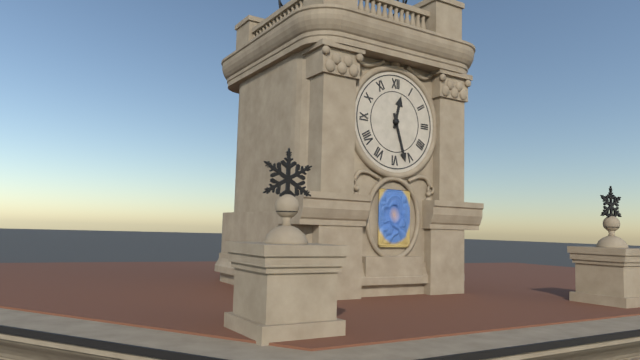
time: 12:27
